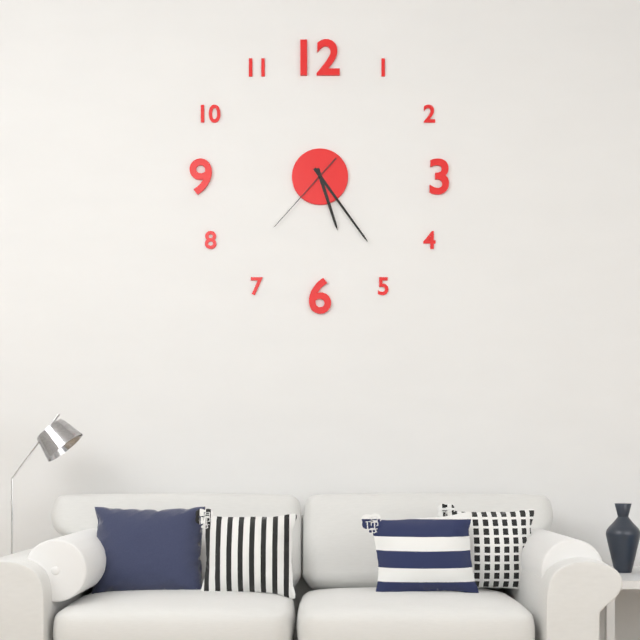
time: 5:24:37
